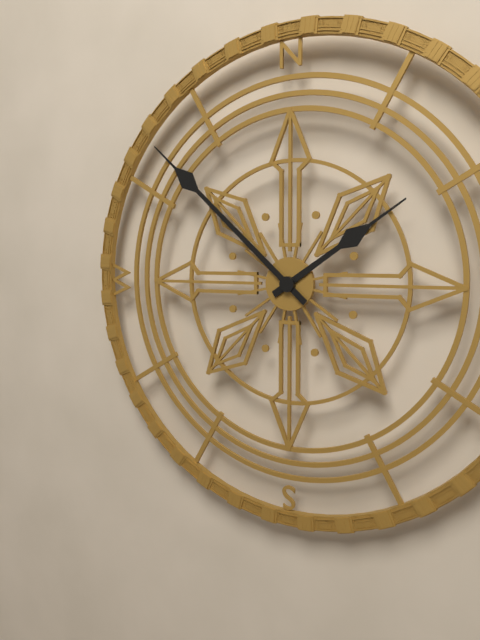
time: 1:52
